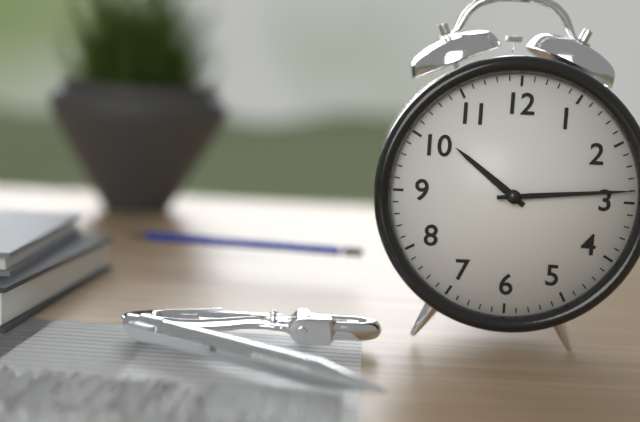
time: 10:14
